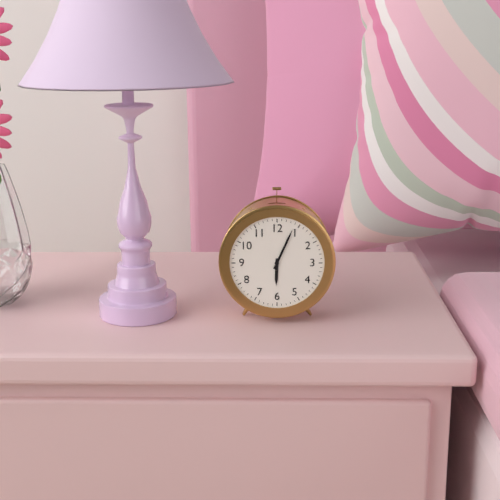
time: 6:04
